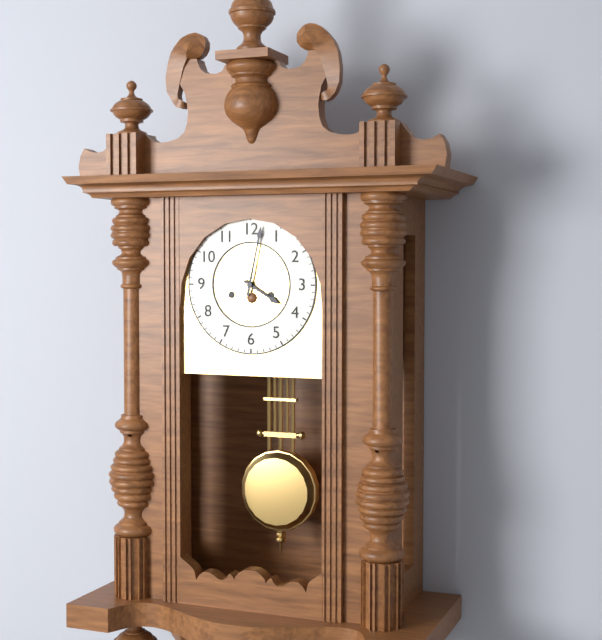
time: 4:02
